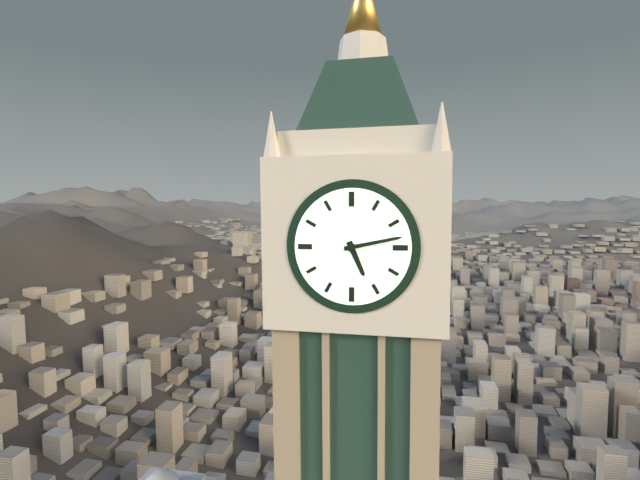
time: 5:13
